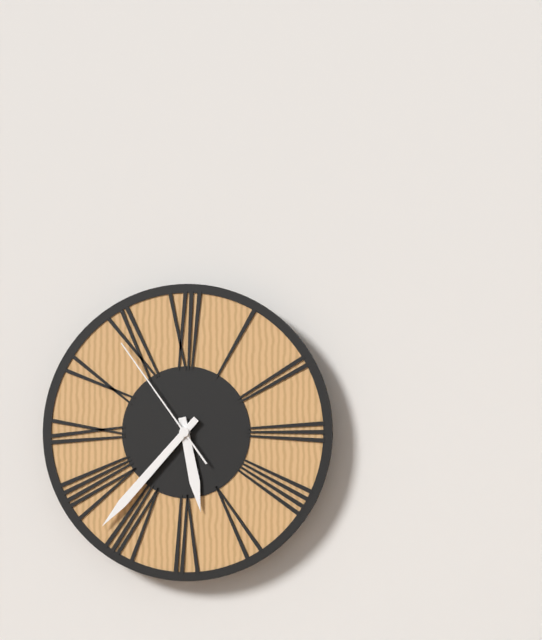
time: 5:37:54
